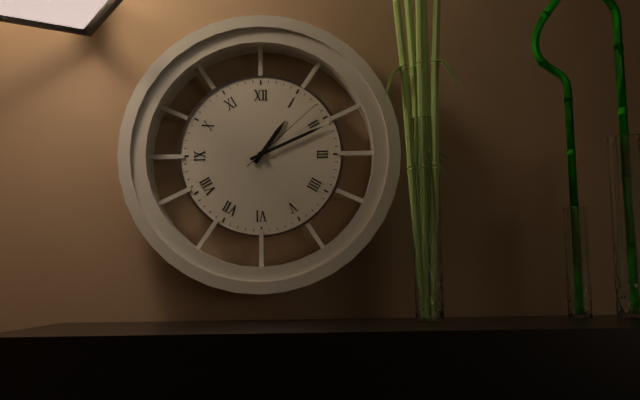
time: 1:11:08
